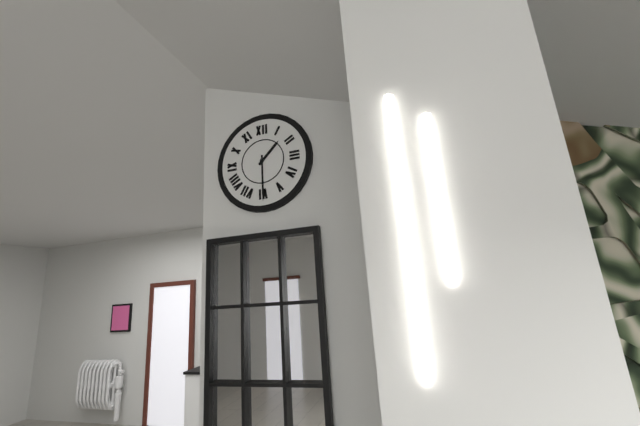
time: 1:30
